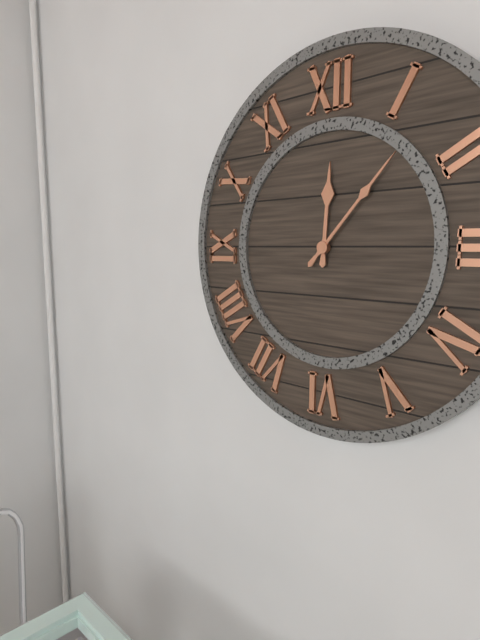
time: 12:07
